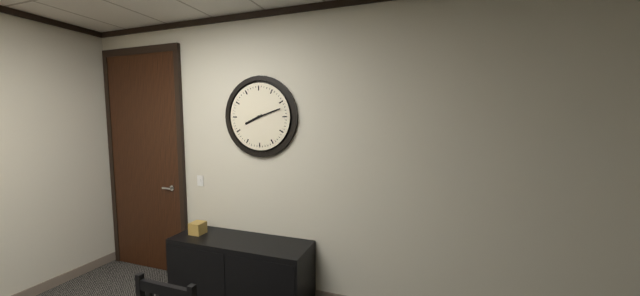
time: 8:12
